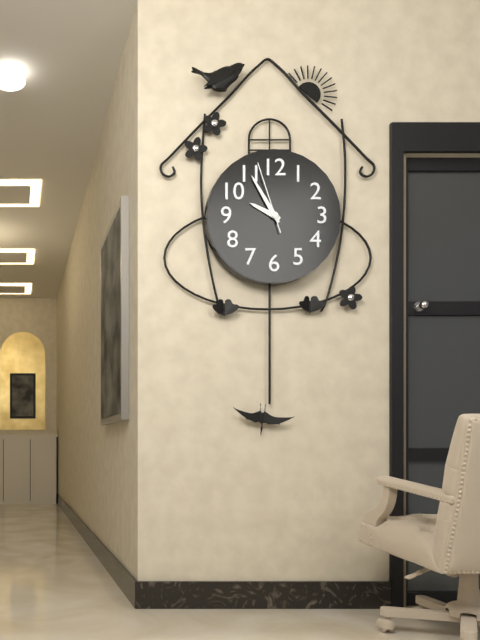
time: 9:55:57
